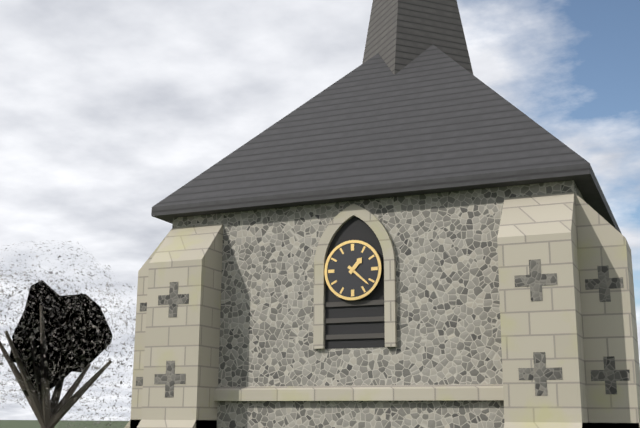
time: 1:22
